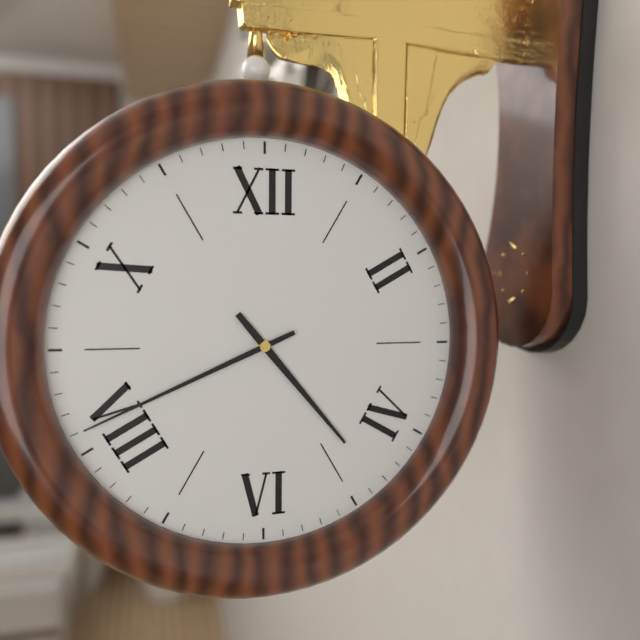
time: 4:41
